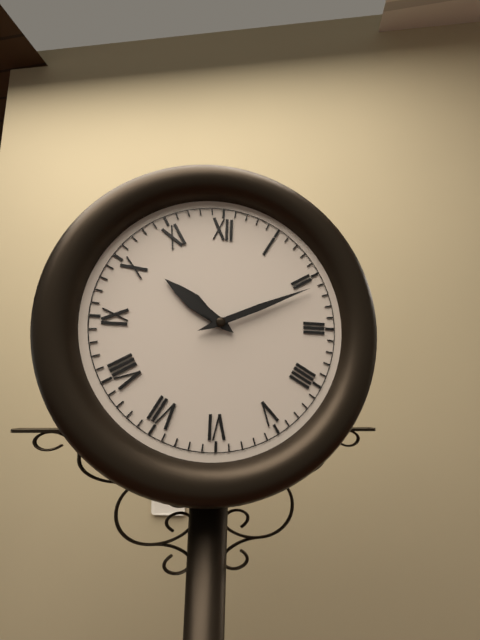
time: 10:11
